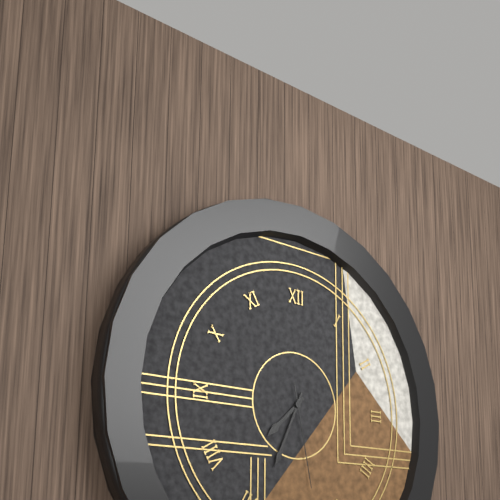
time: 7:34:28
